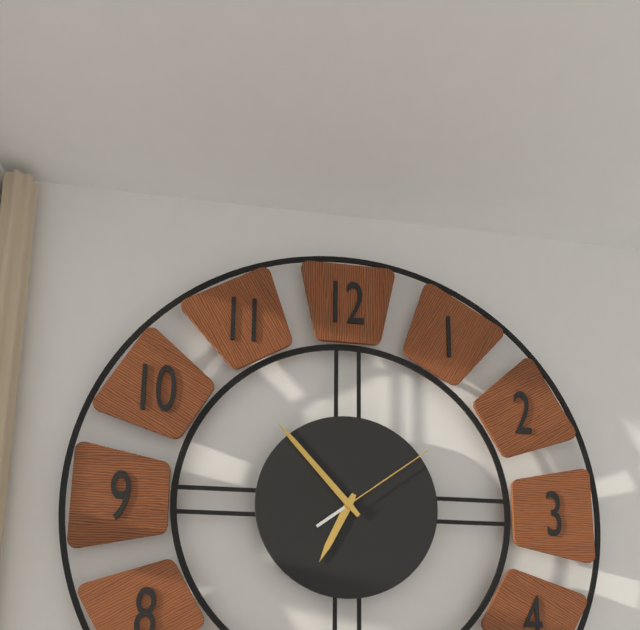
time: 6:53:09
